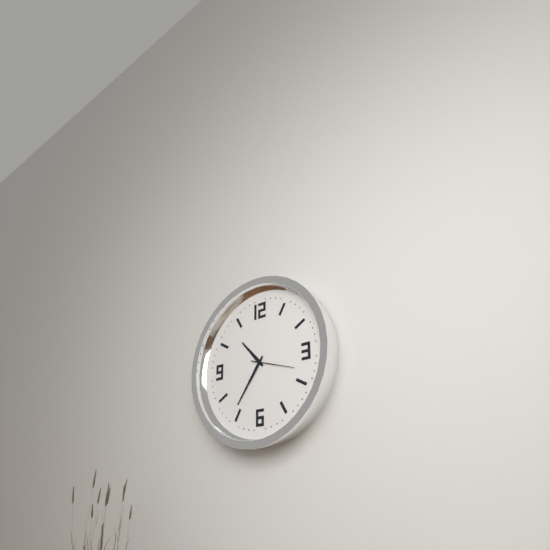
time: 10:36
